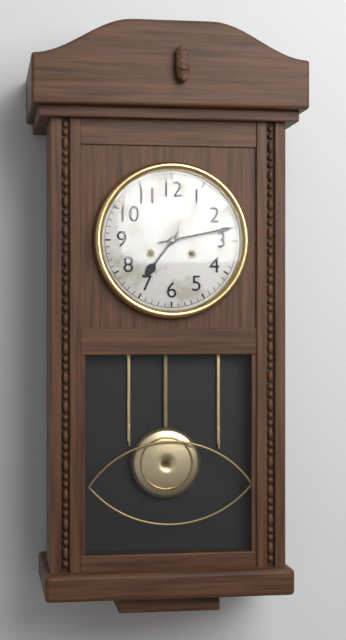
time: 7:13
